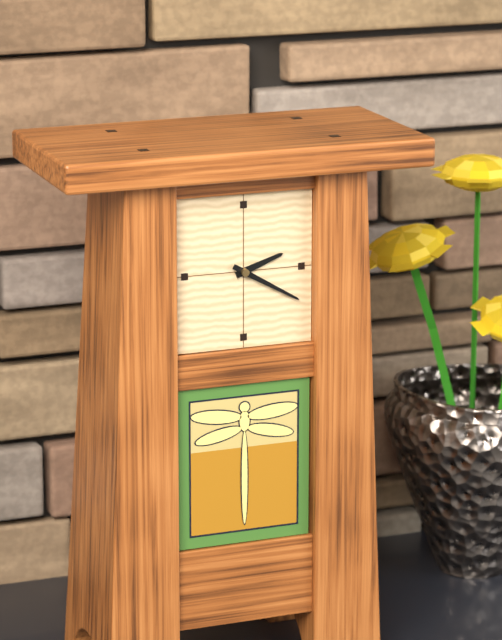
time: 2:20
